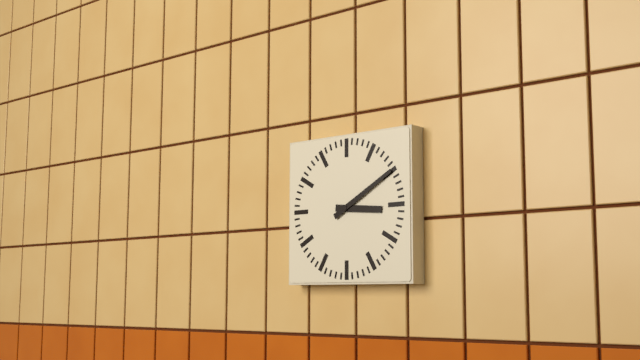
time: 3:10
